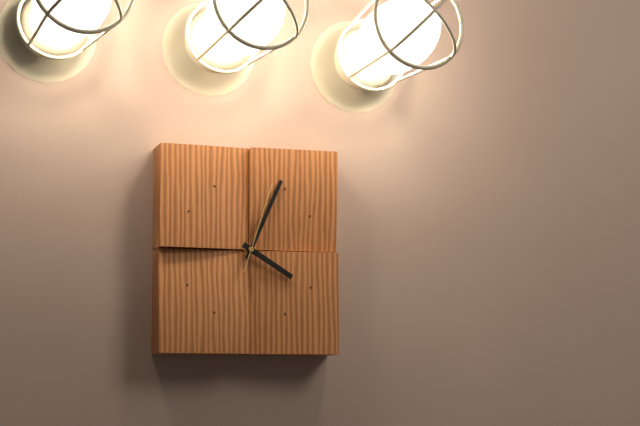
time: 4:04:03
